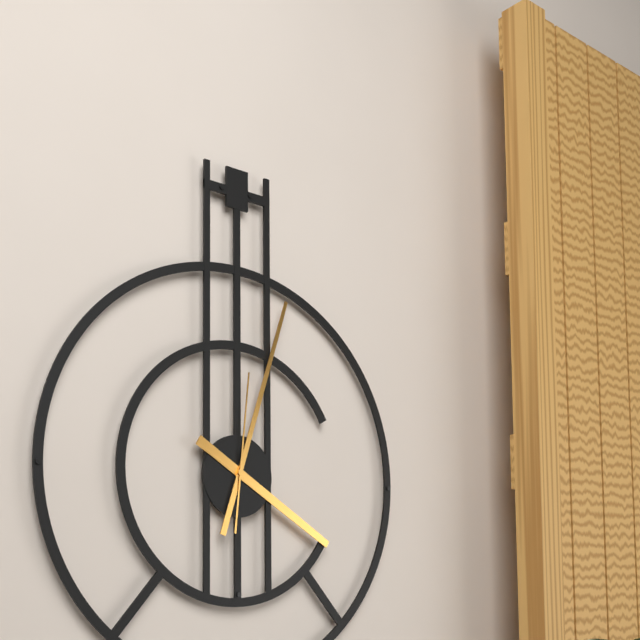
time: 4:03:01
